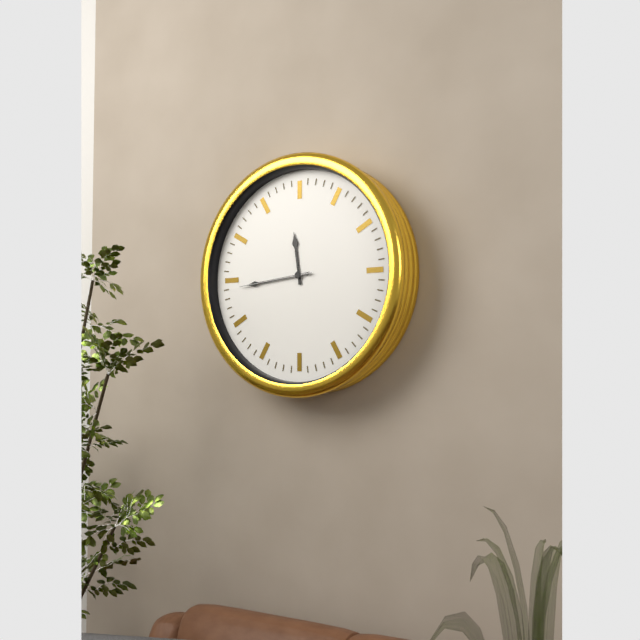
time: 11:44:44
